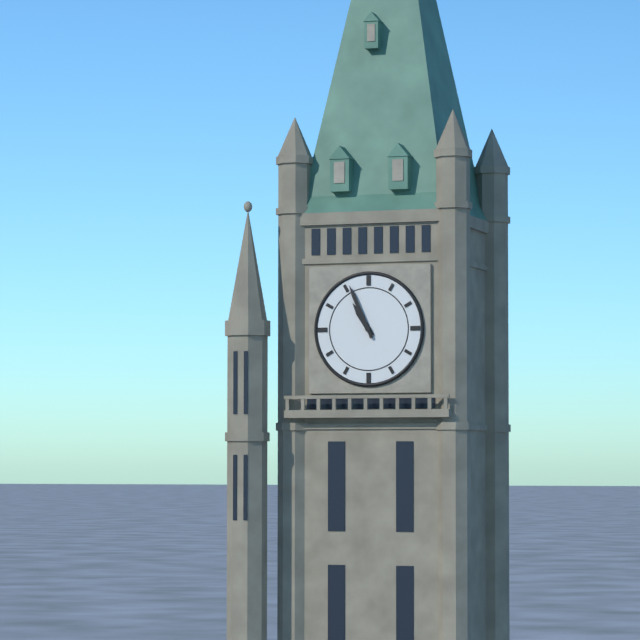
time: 10:56
